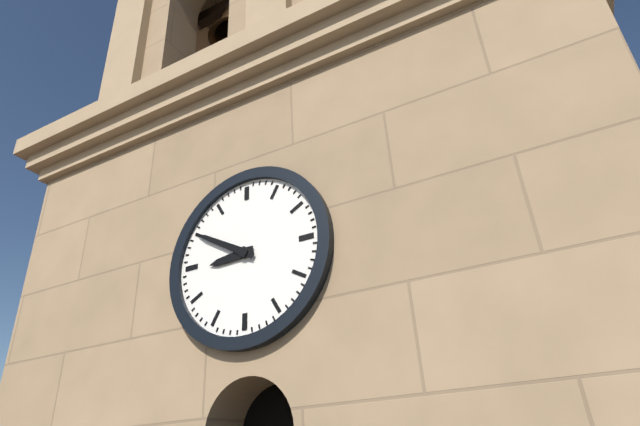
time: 8:50
